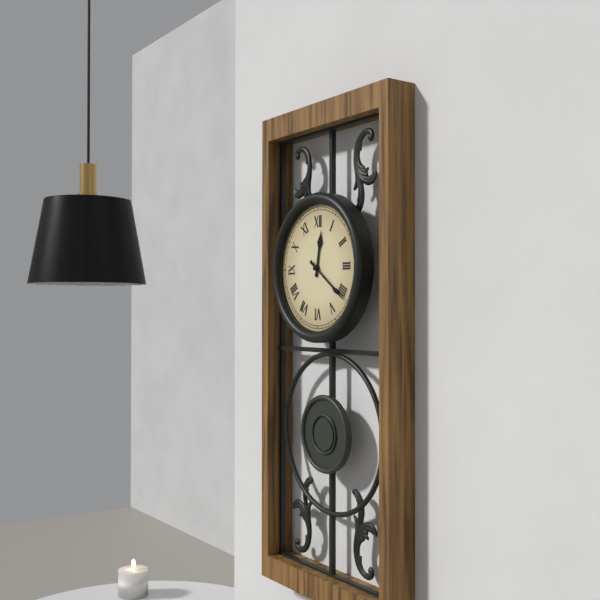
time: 12:21
